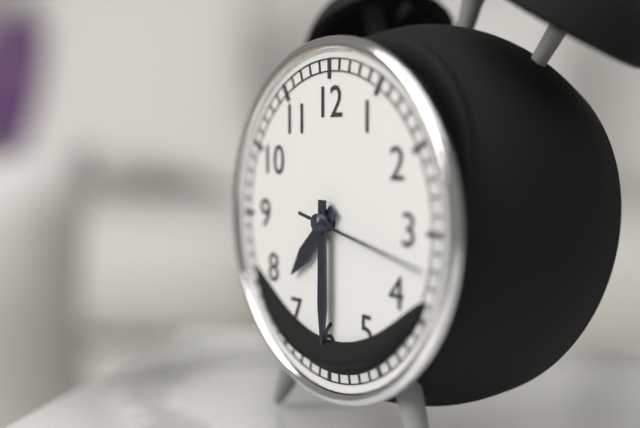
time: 7:30:17
